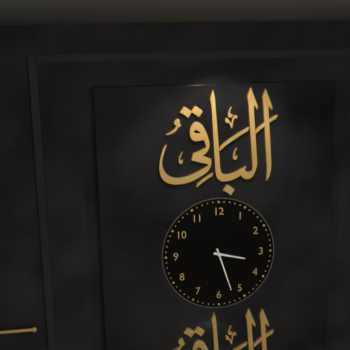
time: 3:27
